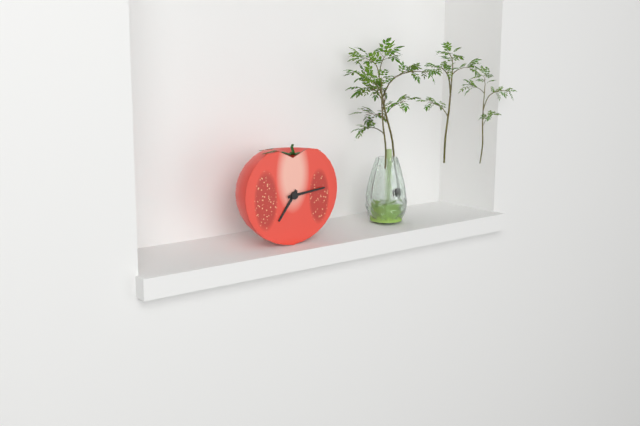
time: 7:14
